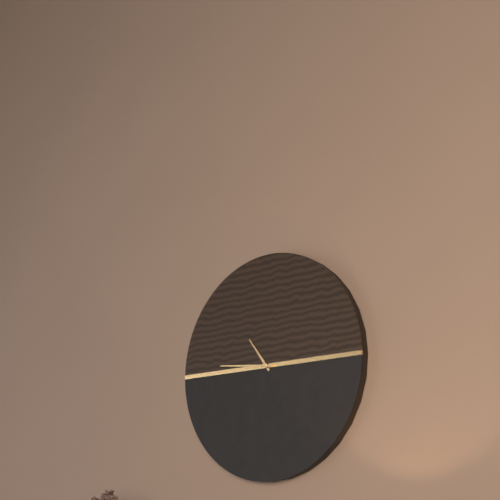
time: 10:46
